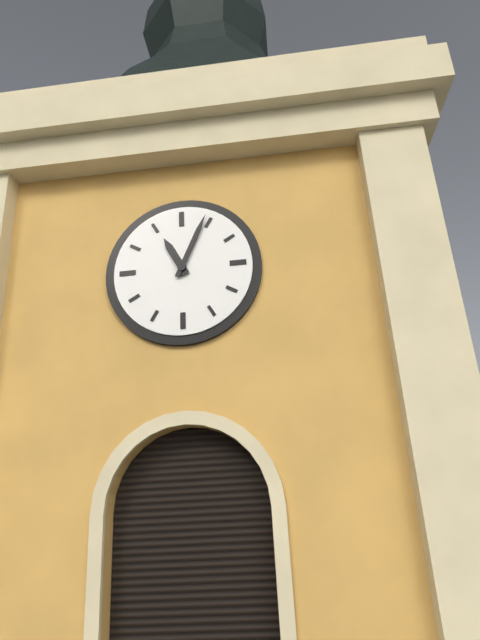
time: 11:04
